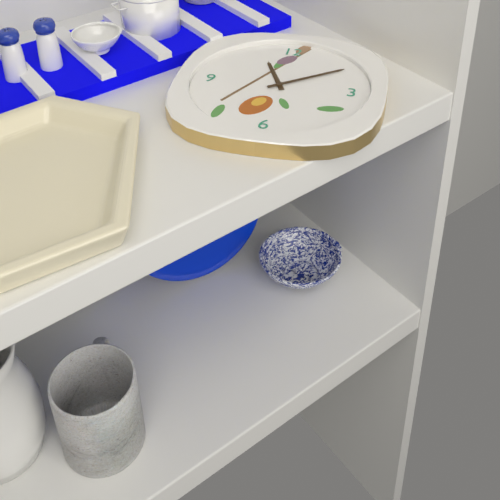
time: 11:09
